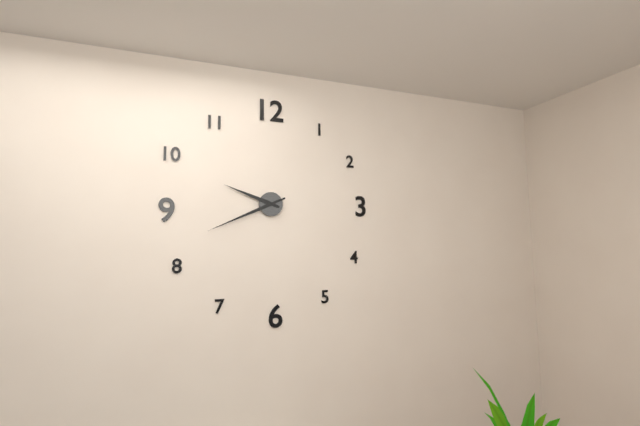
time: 9:41
